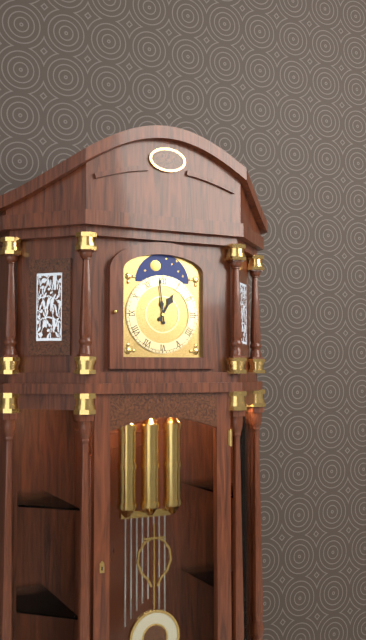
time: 12:59
